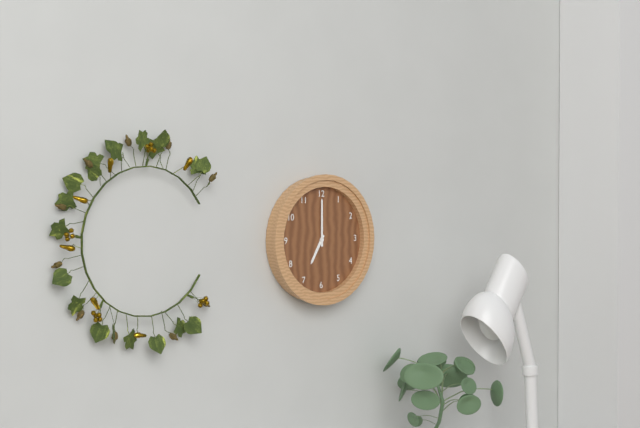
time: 7:00
